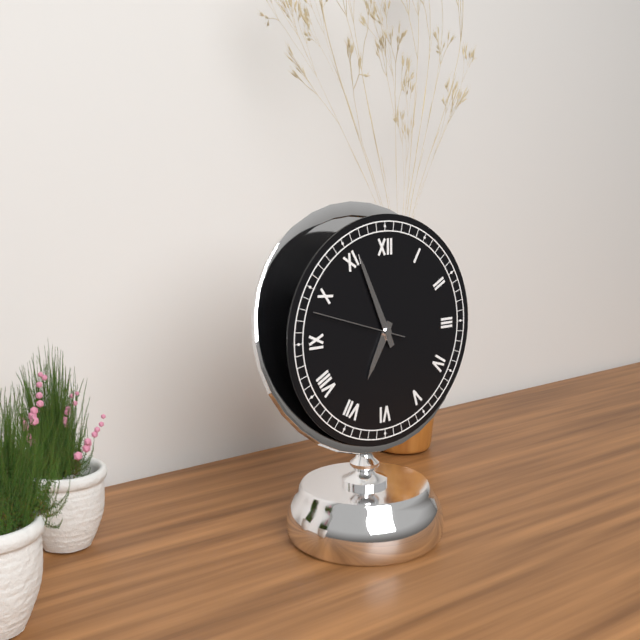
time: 6:56:48
